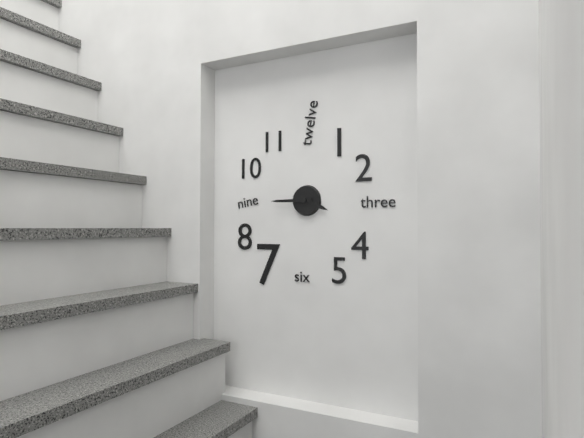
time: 3:45
